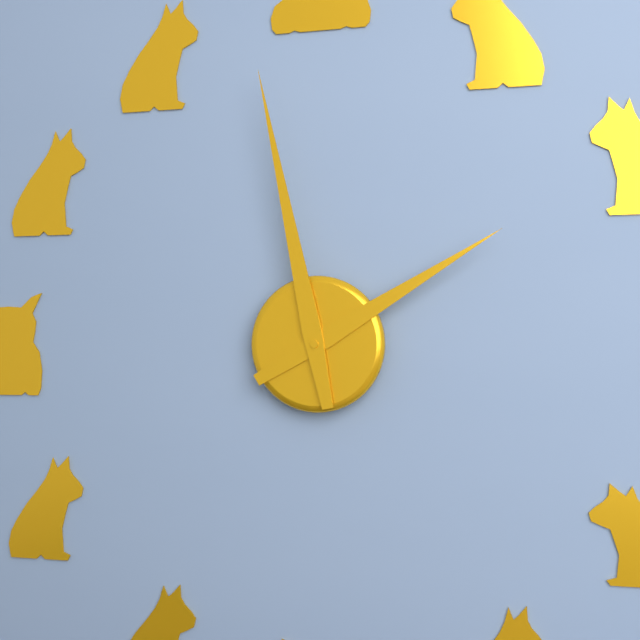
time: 1:58
